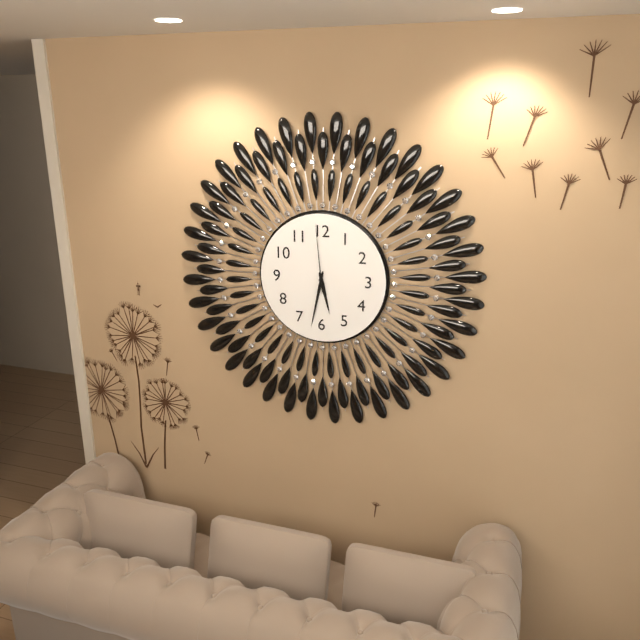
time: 5:32:59
